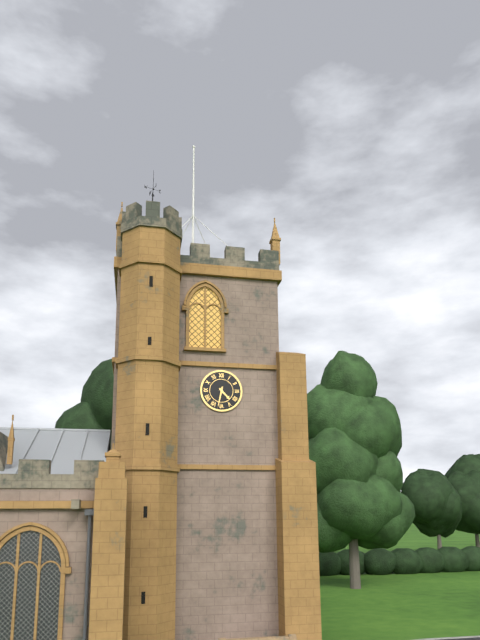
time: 4:32
